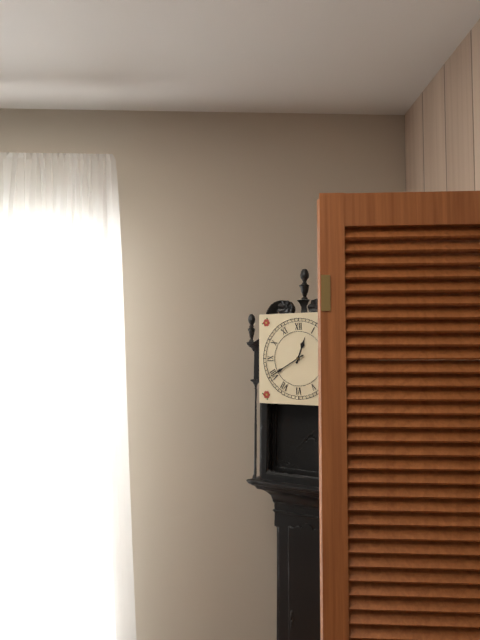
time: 12:40
